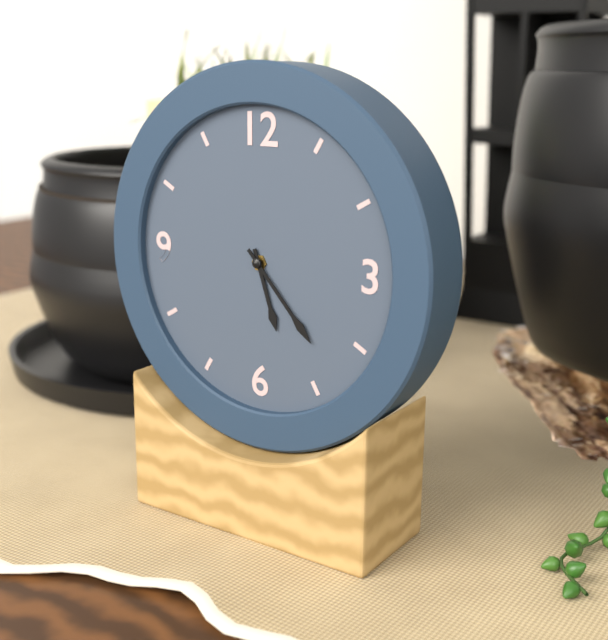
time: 5:23
